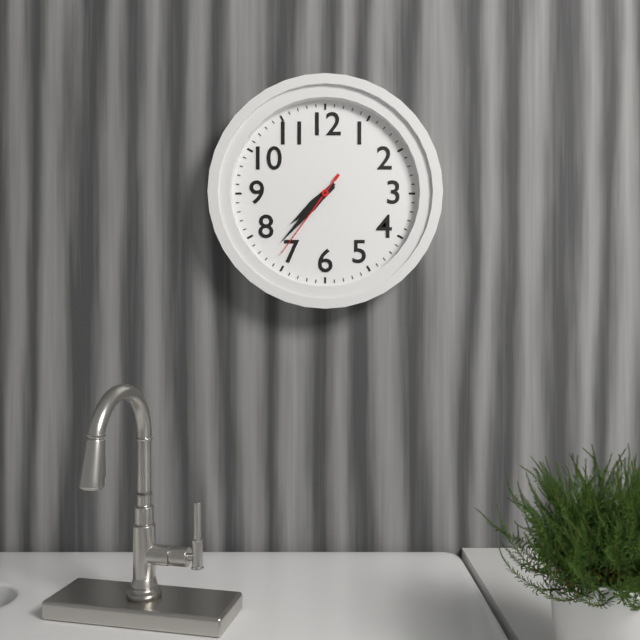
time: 7:37:36
